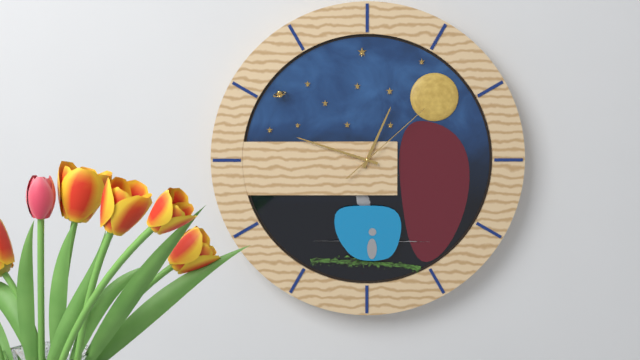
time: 12:48:08
